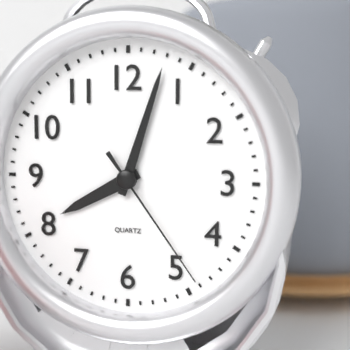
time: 8:03:24
